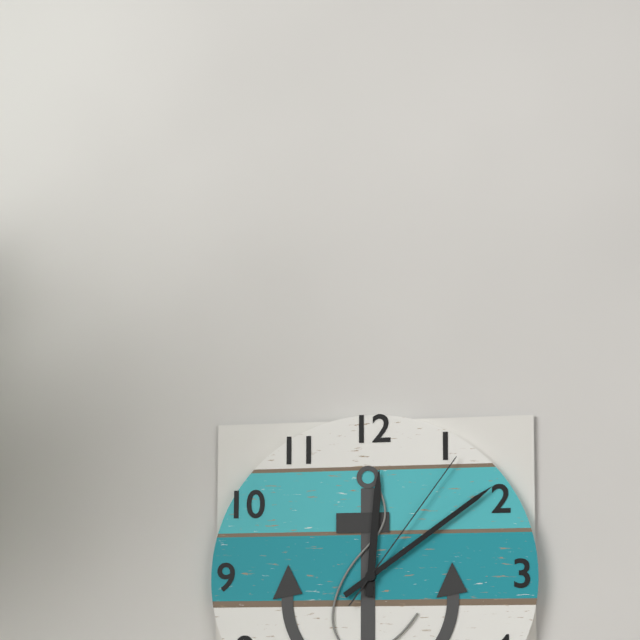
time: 12:09:06
